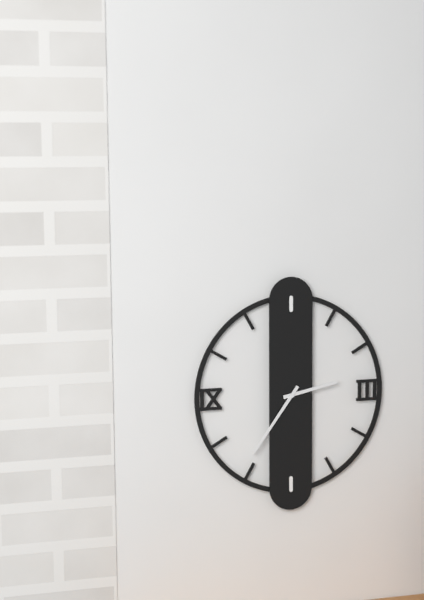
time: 2:36
